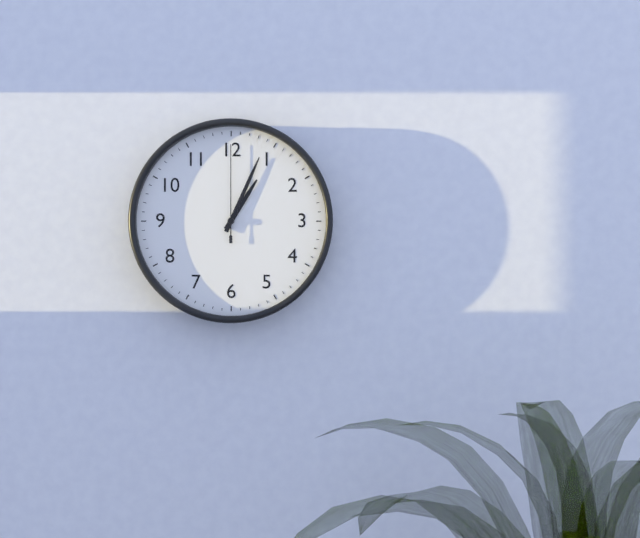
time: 1:04:00
